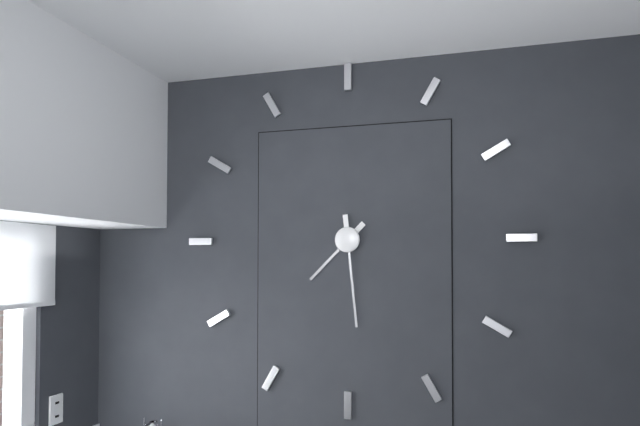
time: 7:29
